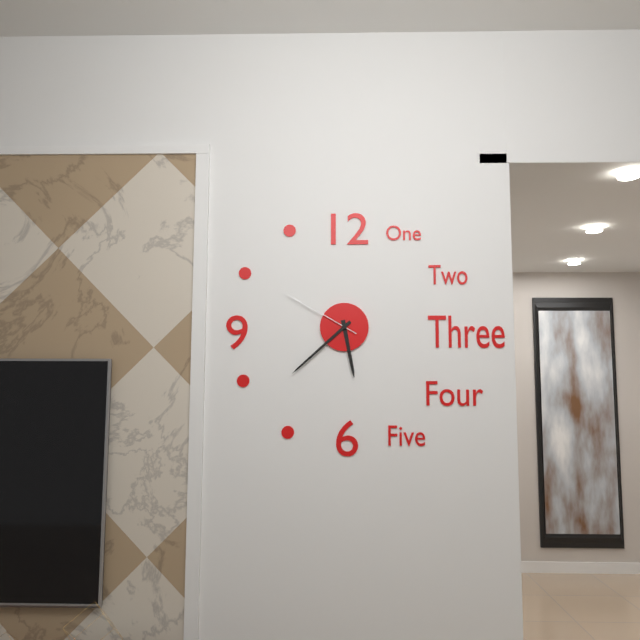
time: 5:38:50
